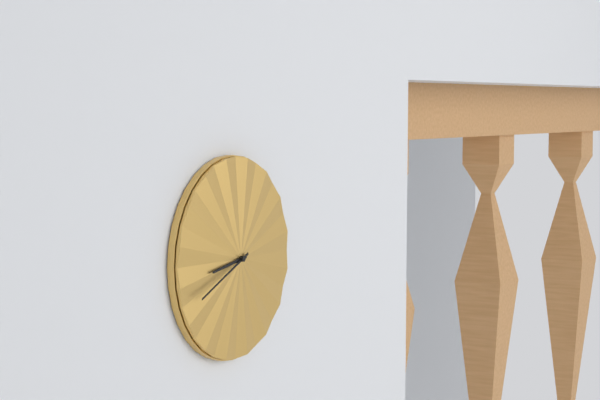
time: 8:41
